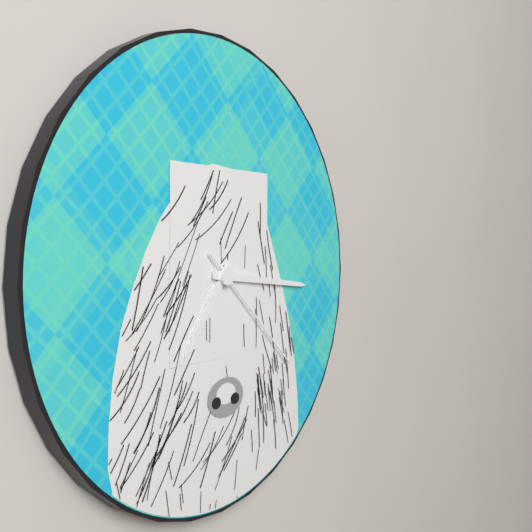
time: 7:16:22
